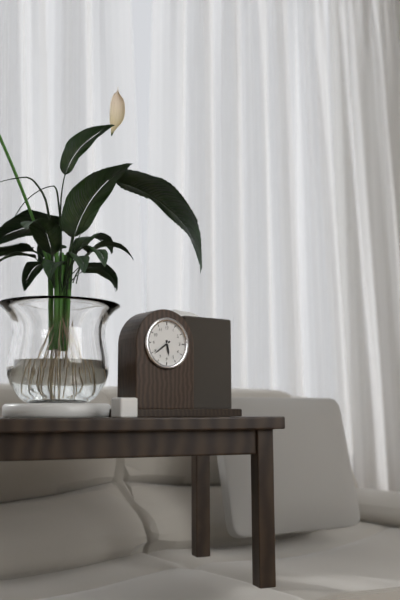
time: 5:39
